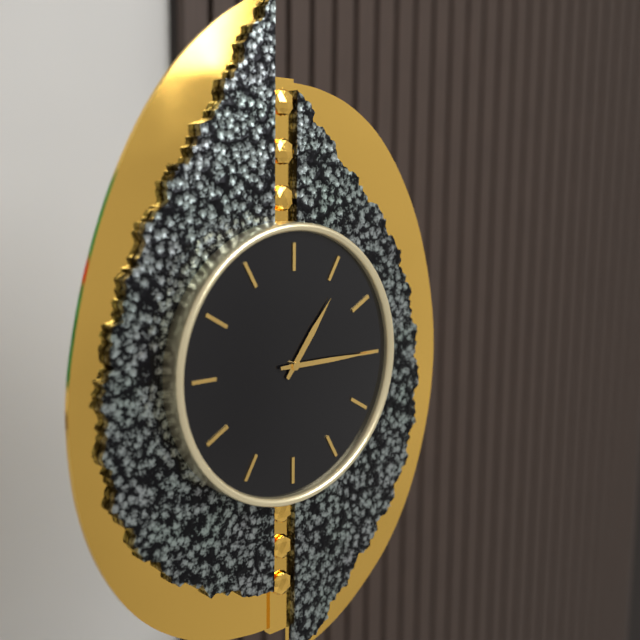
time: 1:15
